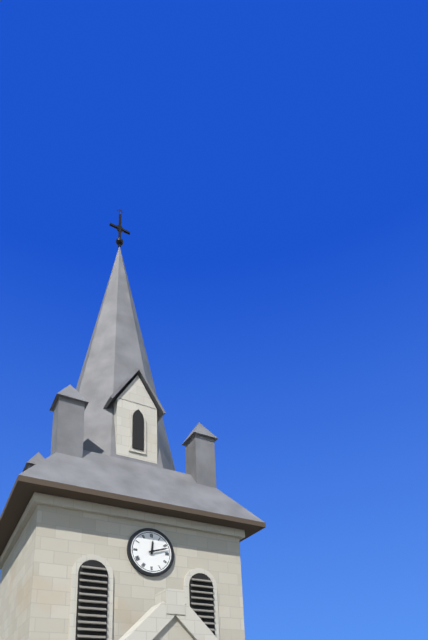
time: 12:12
